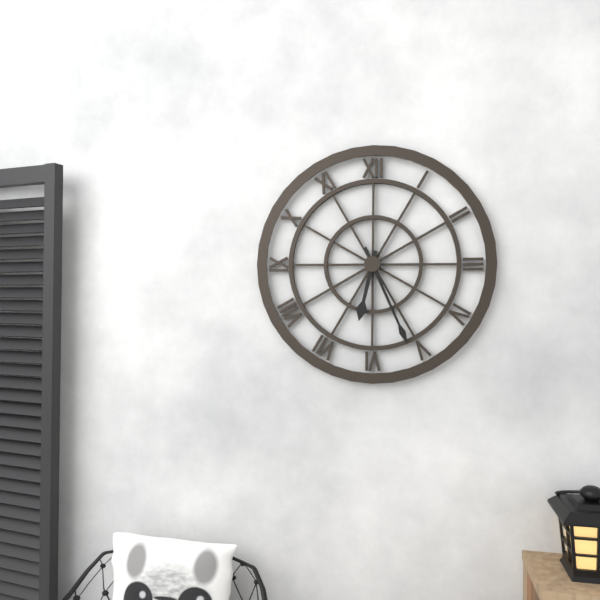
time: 6:26
